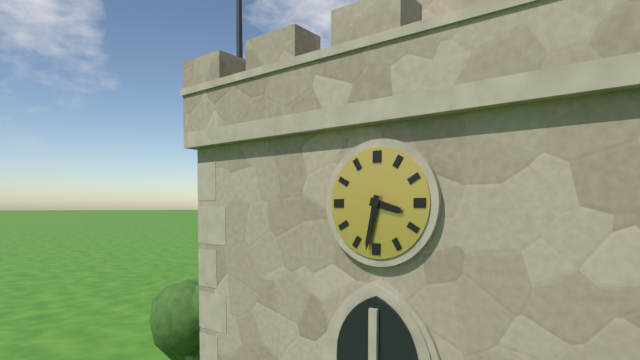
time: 3:32
